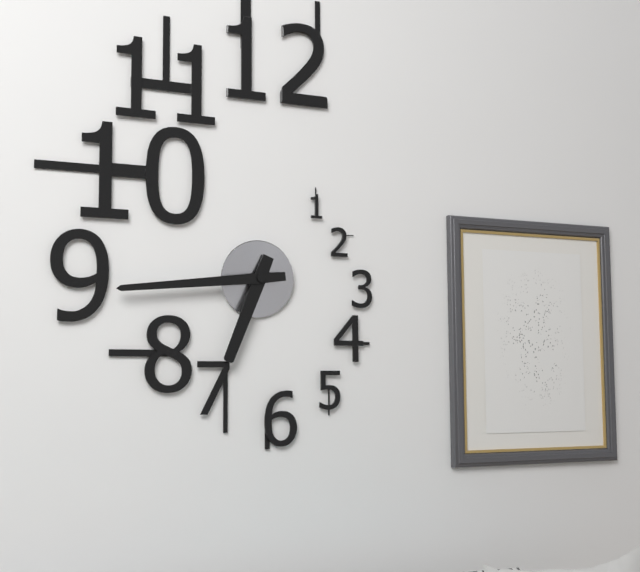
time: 6:44
